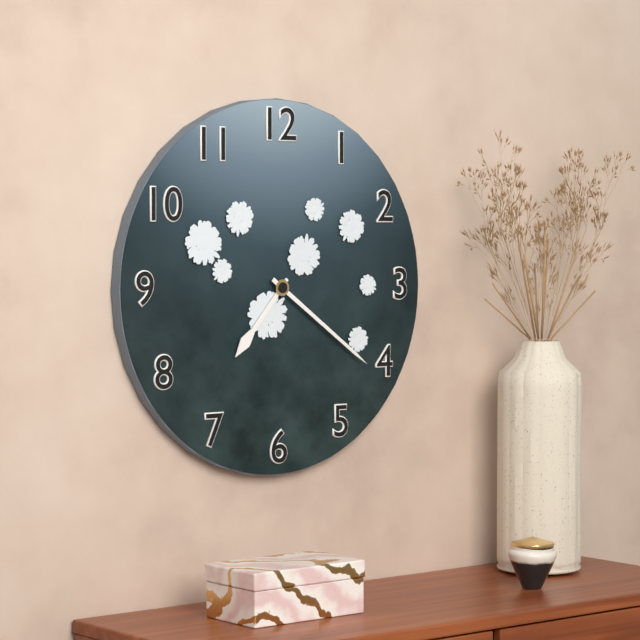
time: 7:21
